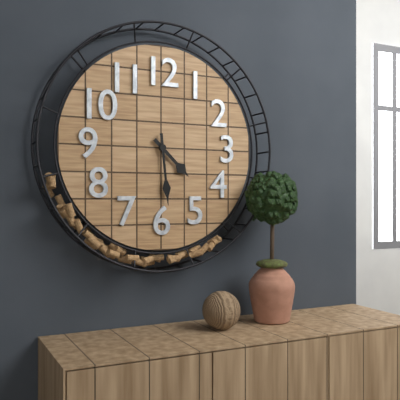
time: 4:29
